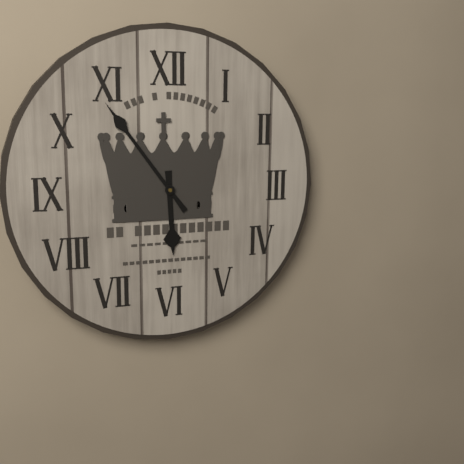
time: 5:54
